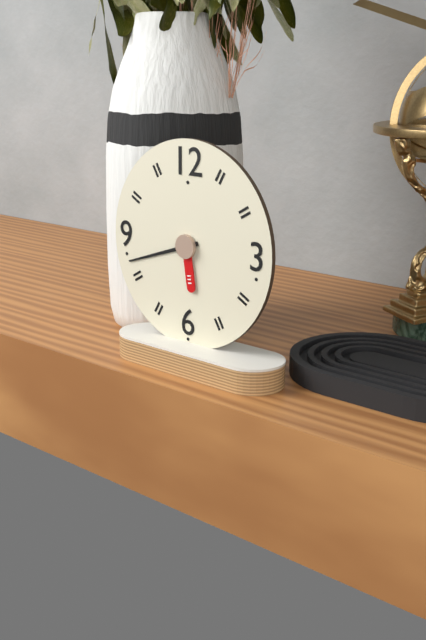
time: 5:42
